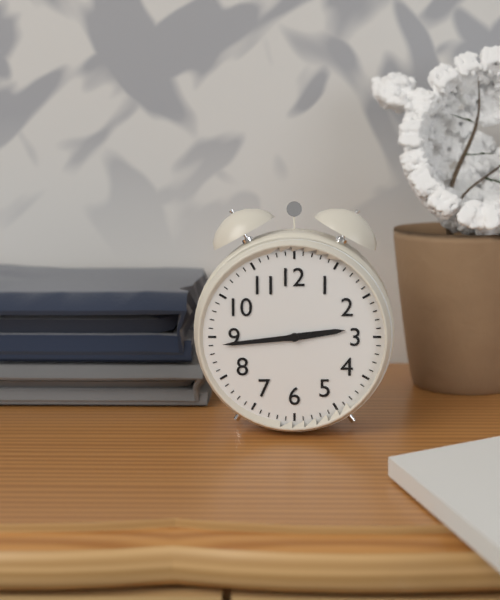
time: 2:44
